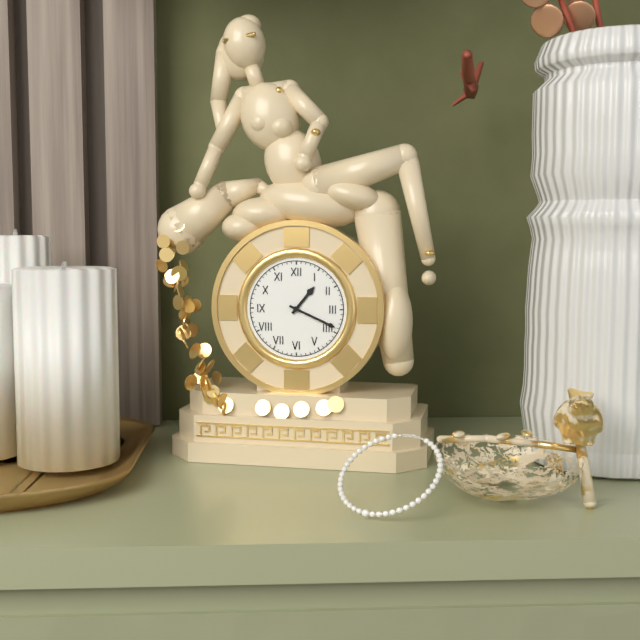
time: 1:19
